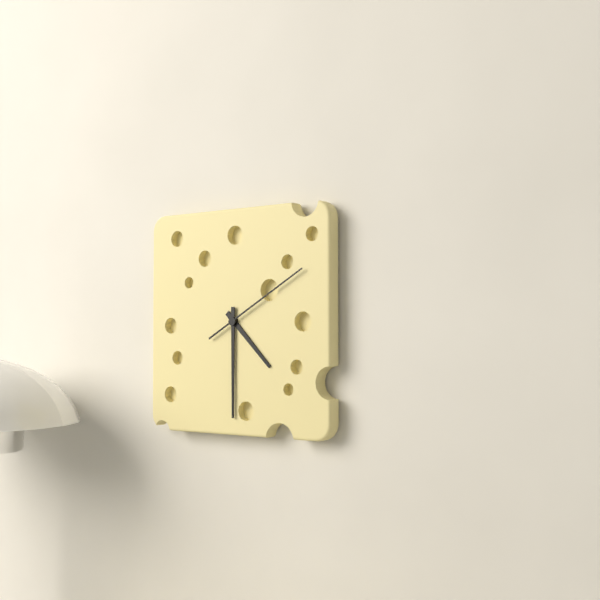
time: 4:30:10
